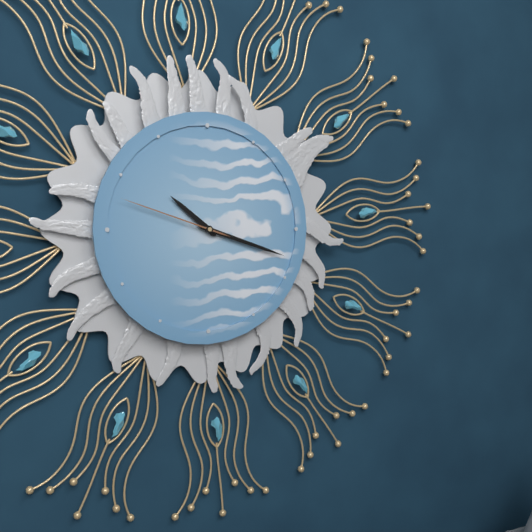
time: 10:18:48
